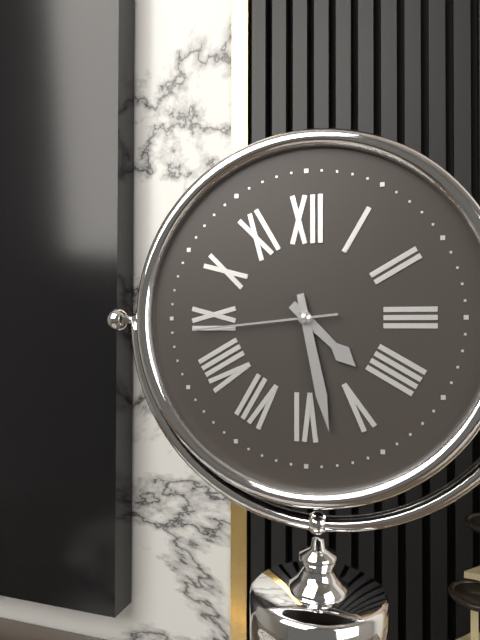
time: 4:28:44
